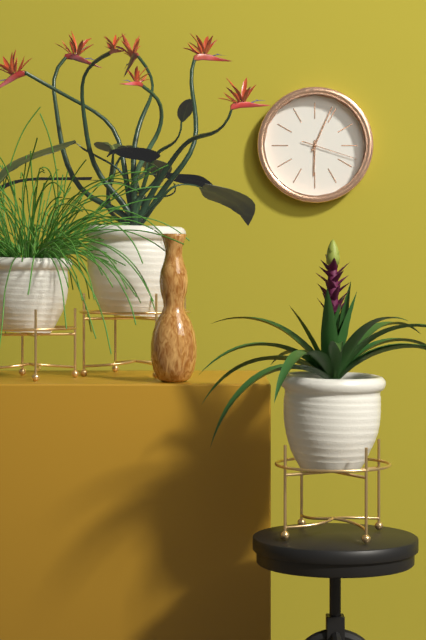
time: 6:04:18
